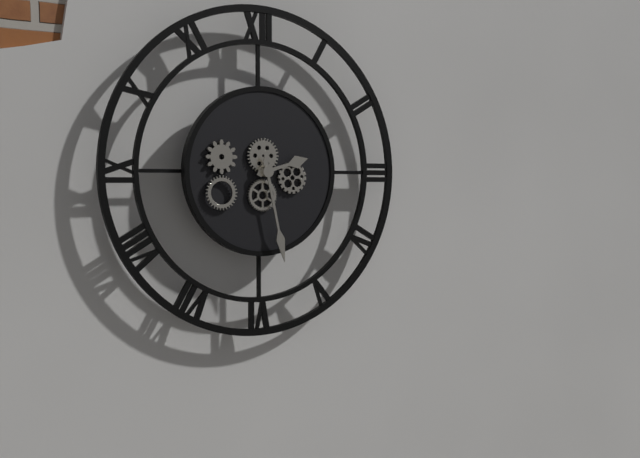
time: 2:28
